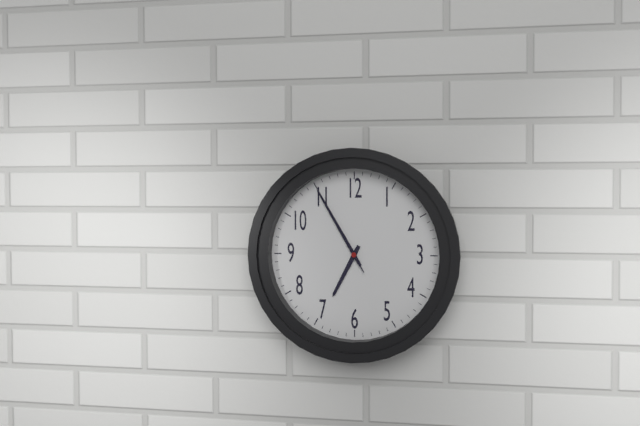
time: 6:55:55
